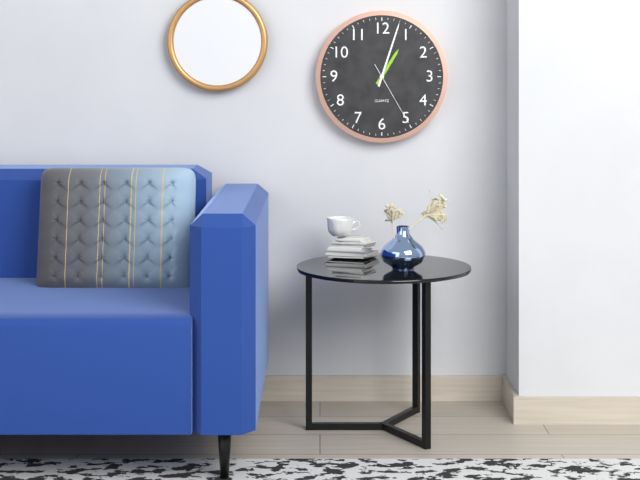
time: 1:03:25
